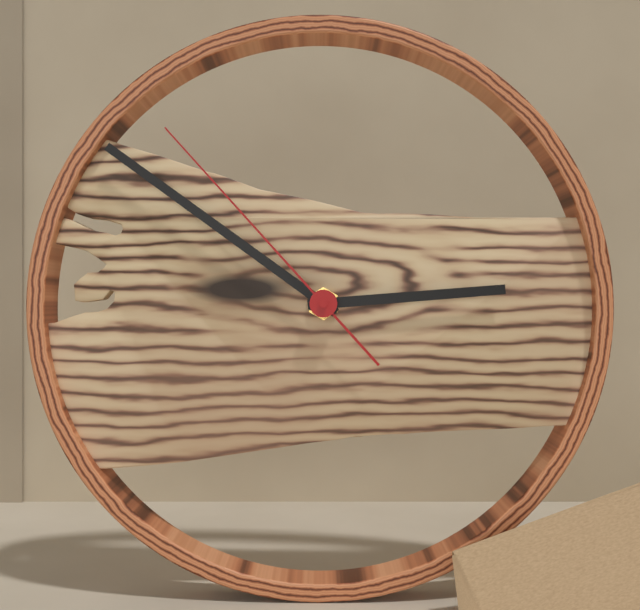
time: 2:51:53
